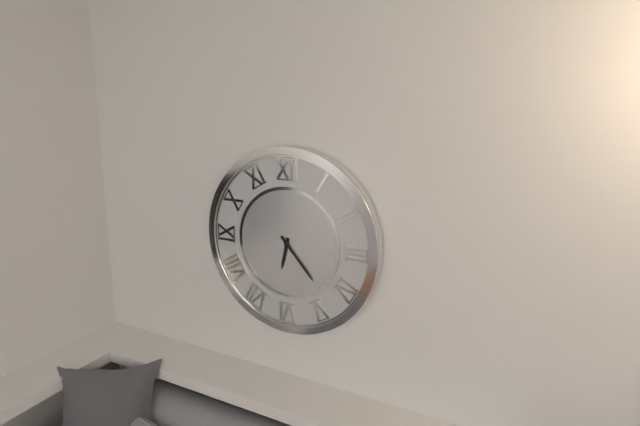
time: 6:23
